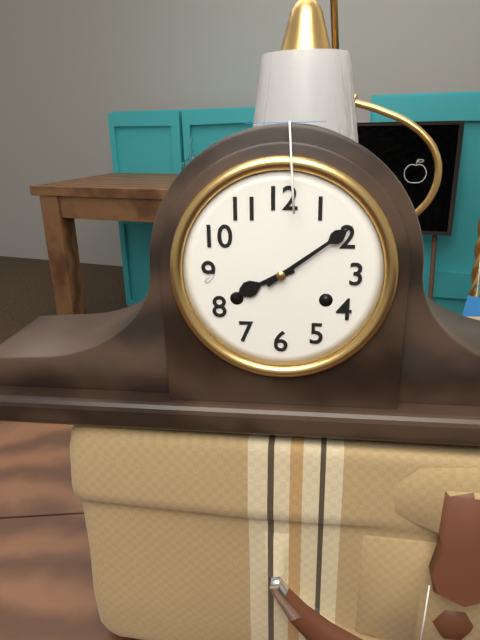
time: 8:09
